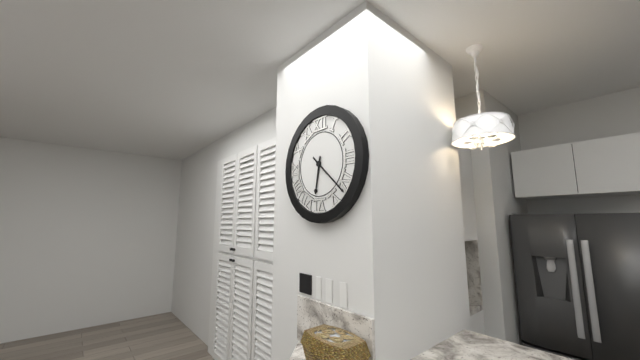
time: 6:22
